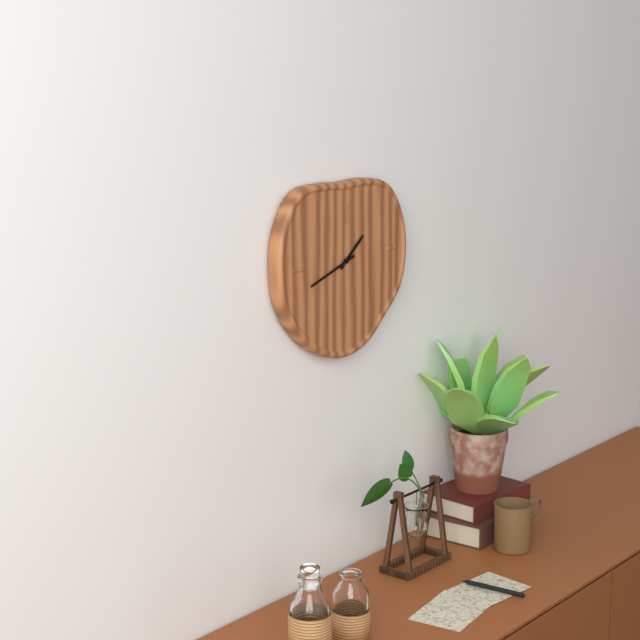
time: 1:42
